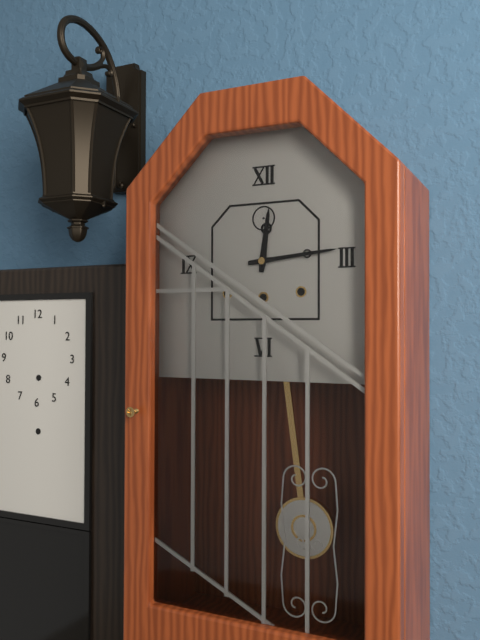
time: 12:14
